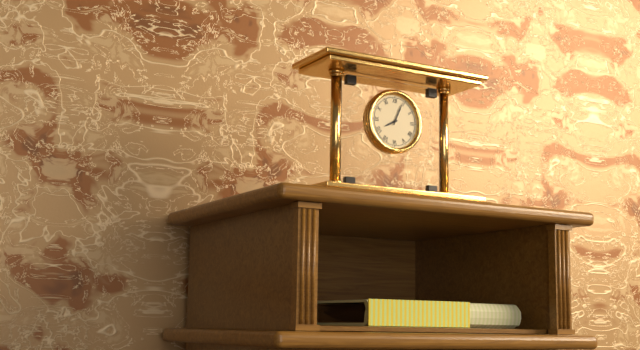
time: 8:04
